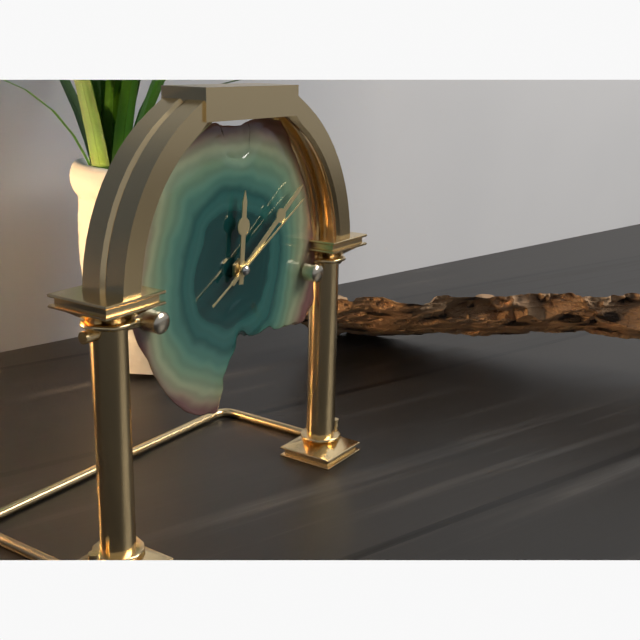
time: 12:09:10
